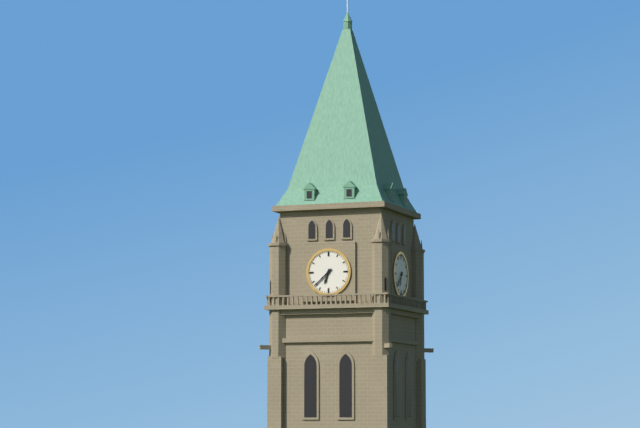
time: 6:38
